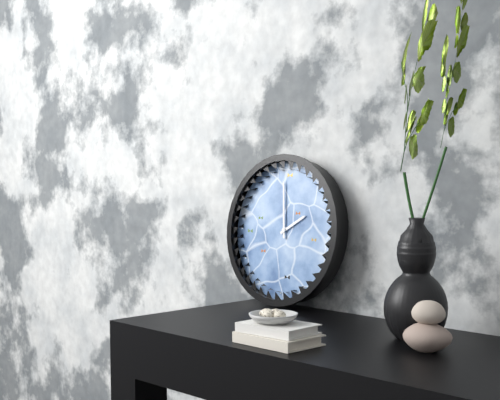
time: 1:59
